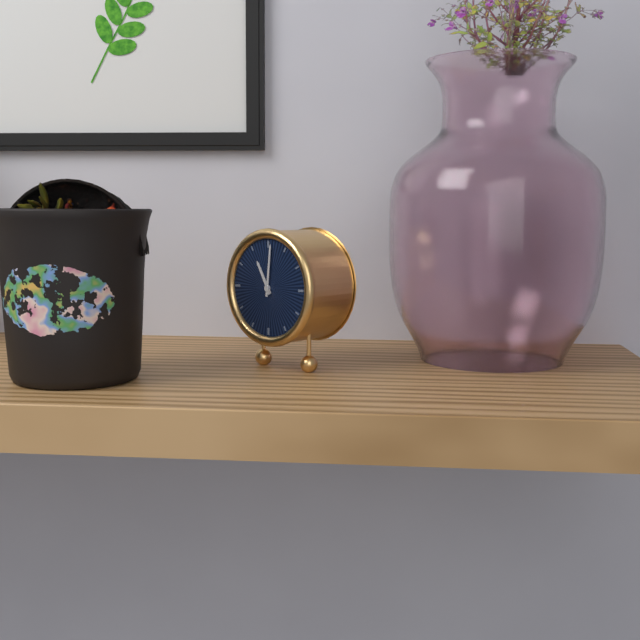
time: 11:01
